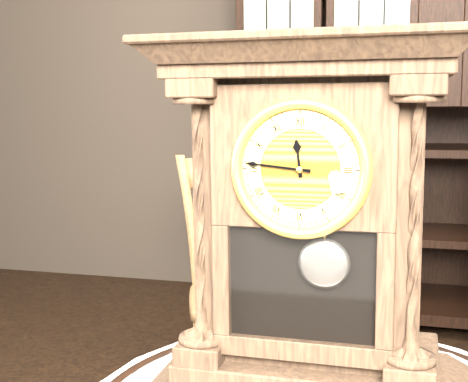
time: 11:46
